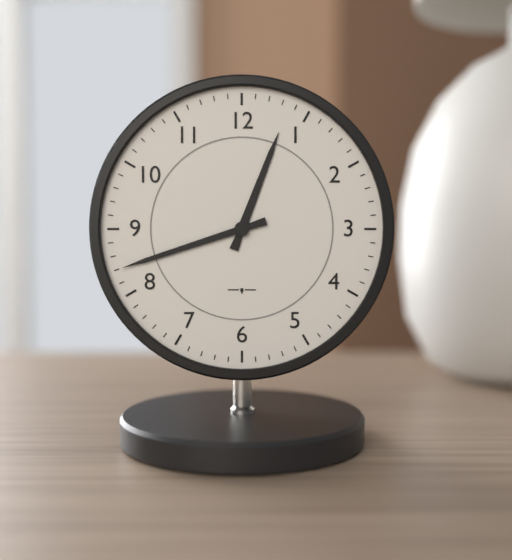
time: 12:42
